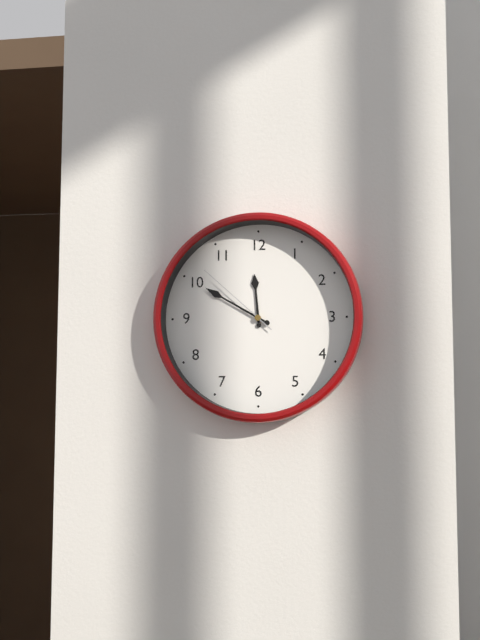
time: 11:50:52
